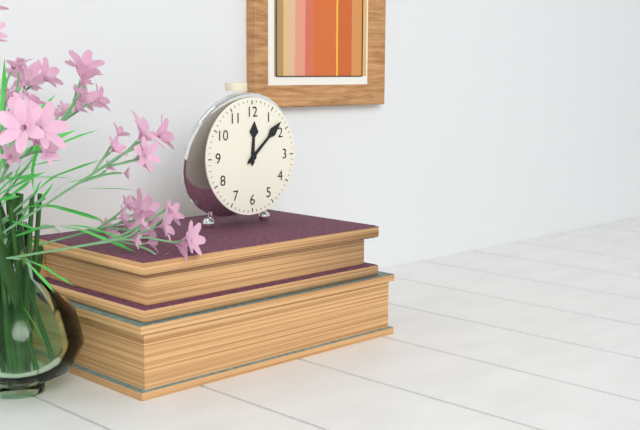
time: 12:08
